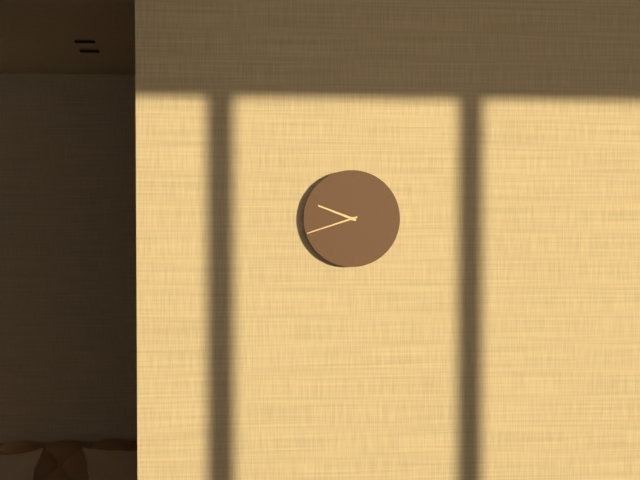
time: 9:42
